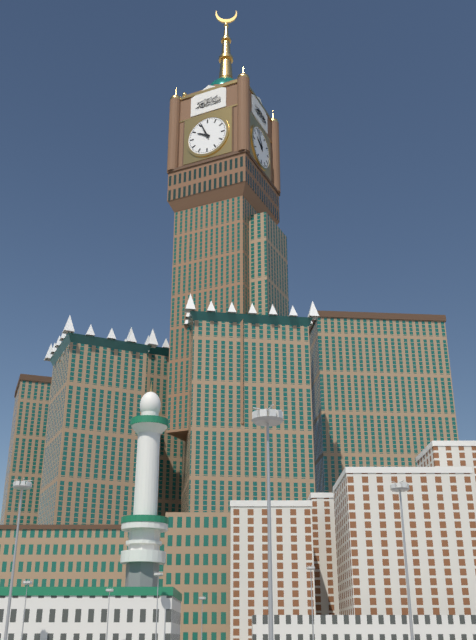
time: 9:56
